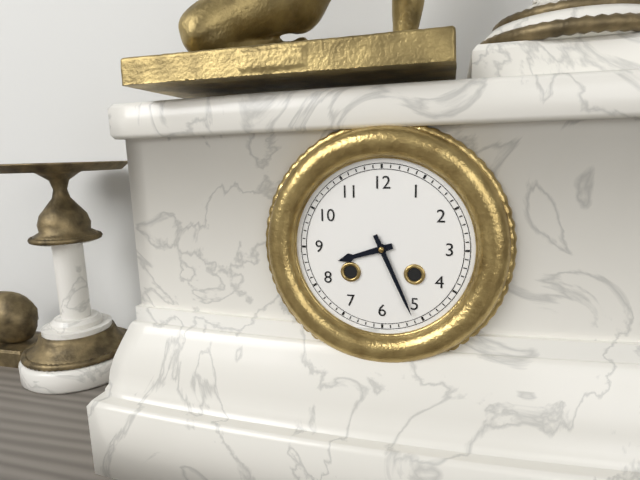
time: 8:26
